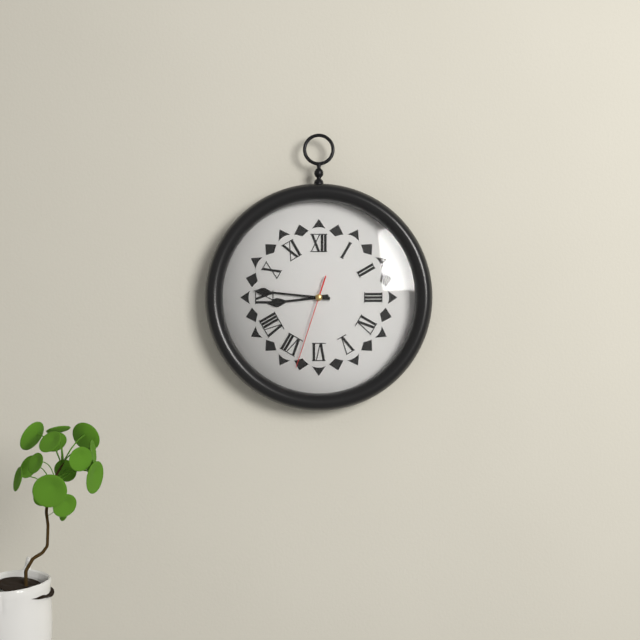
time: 8:46:33
